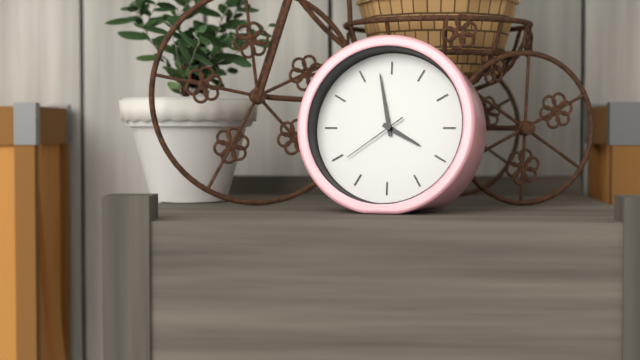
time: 3:58:39
